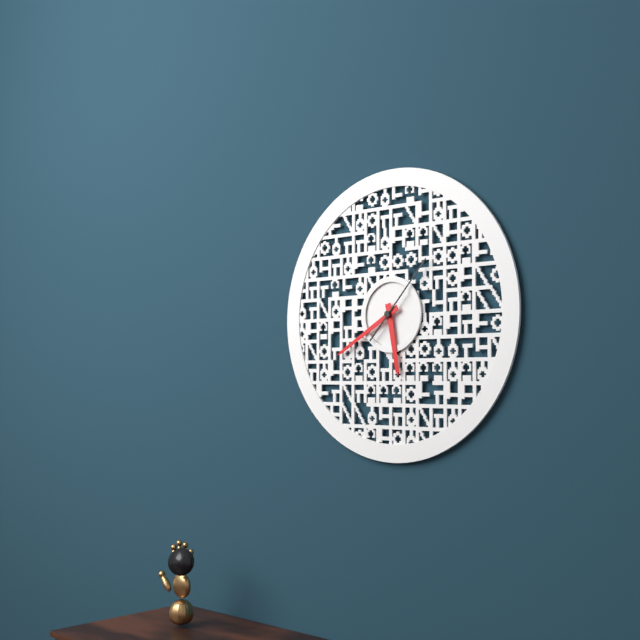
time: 5:40:07
